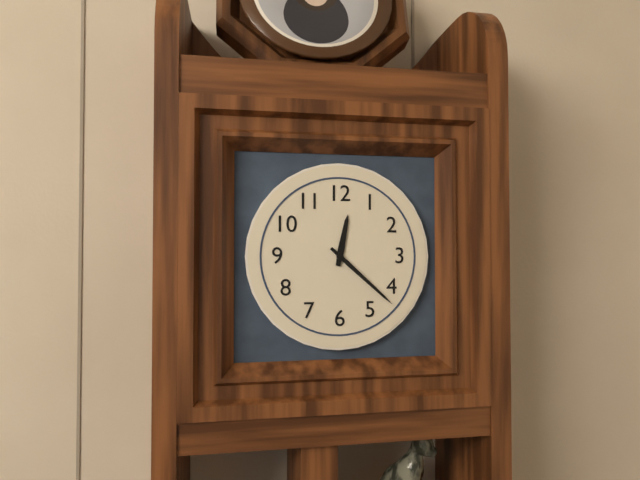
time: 12:22
